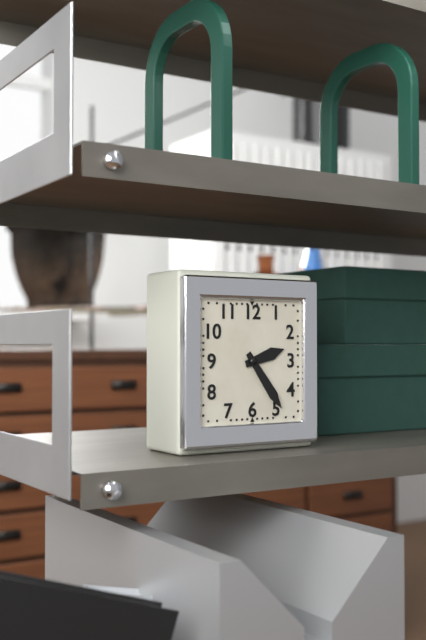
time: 2:24
